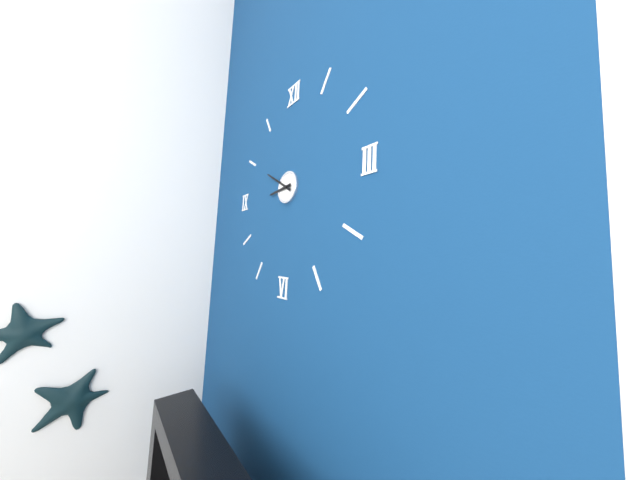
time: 8:50
